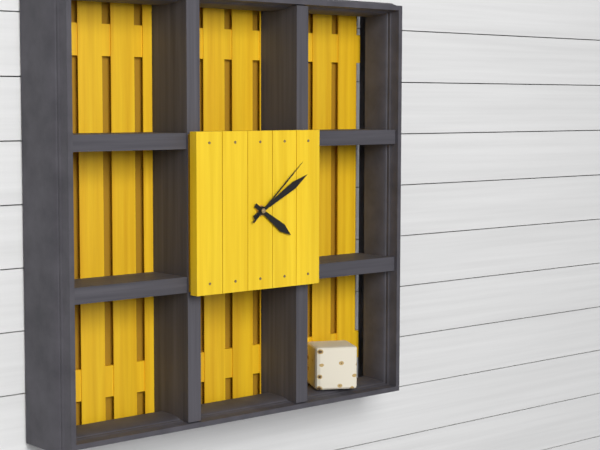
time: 4:10:08
